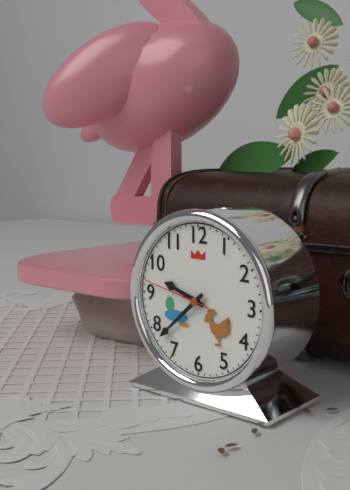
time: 9:38:47
